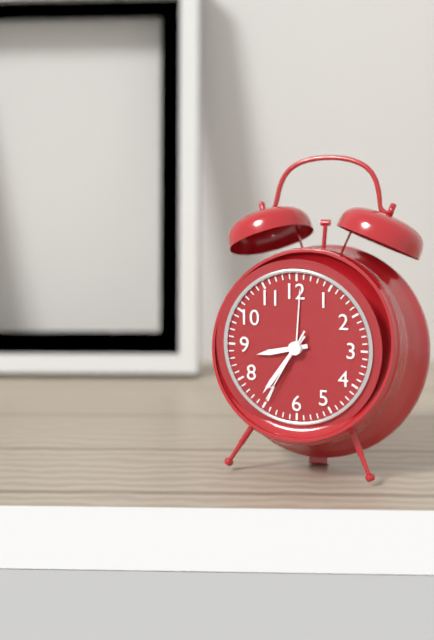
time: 8:36:35
